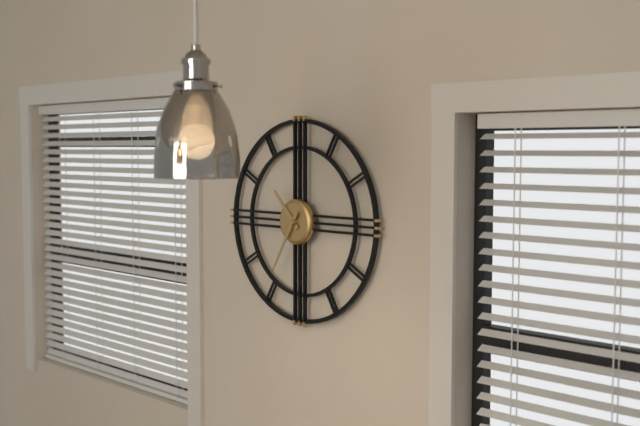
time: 10:35
